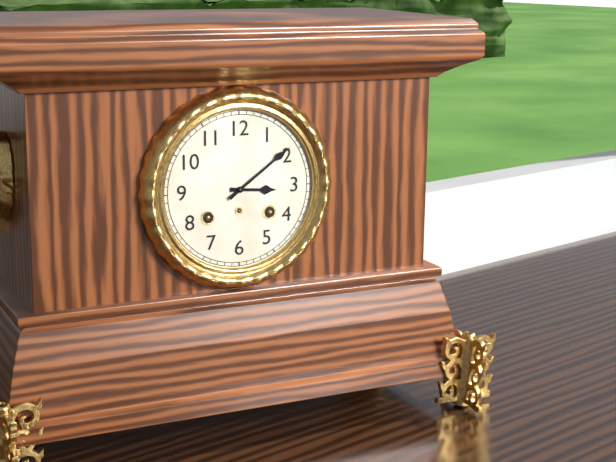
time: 3:09
